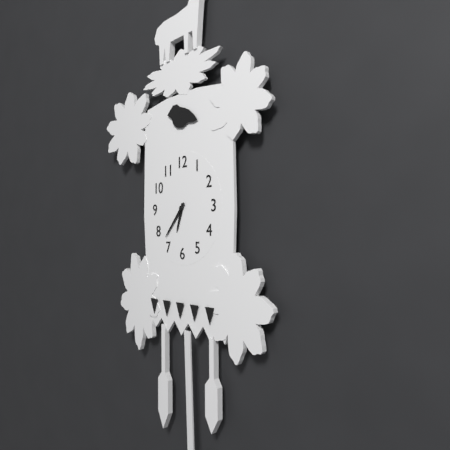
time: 6:37
